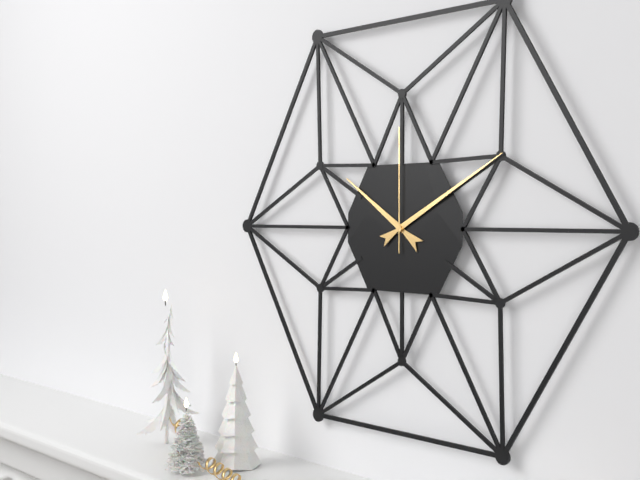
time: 10:10:00
